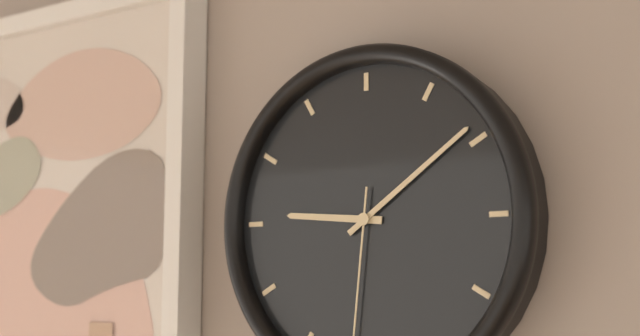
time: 9:09
